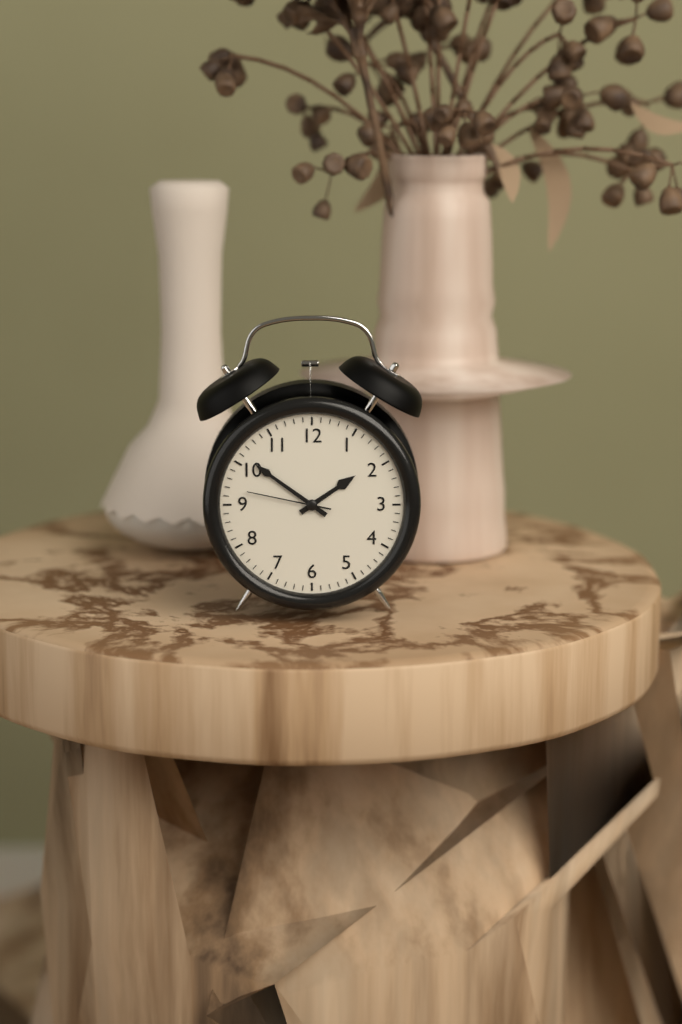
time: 1:51:47
